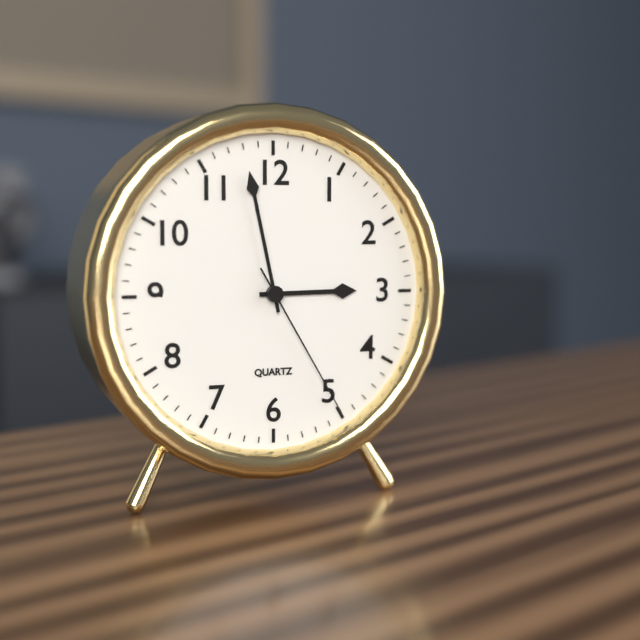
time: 2:58:25
